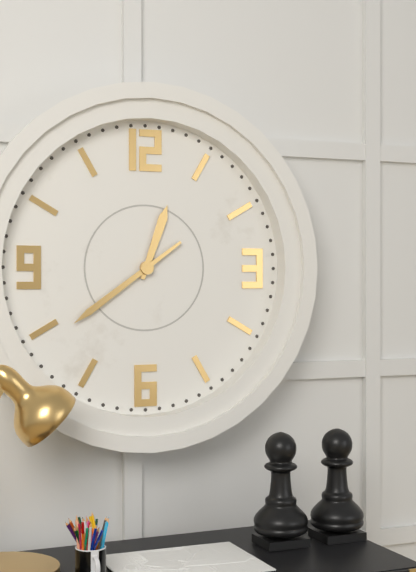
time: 12:39
